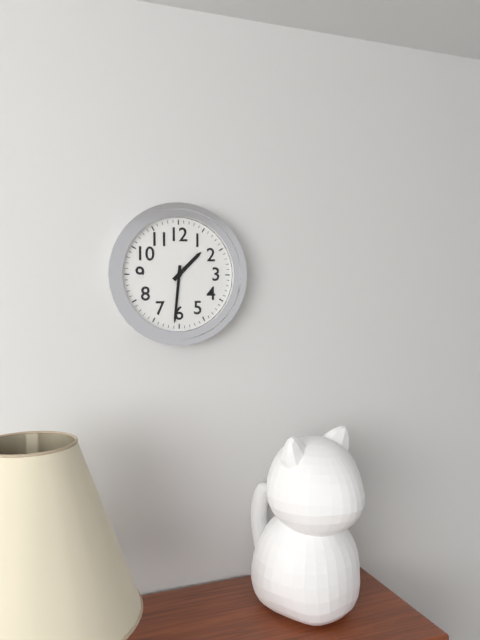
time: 1:31
